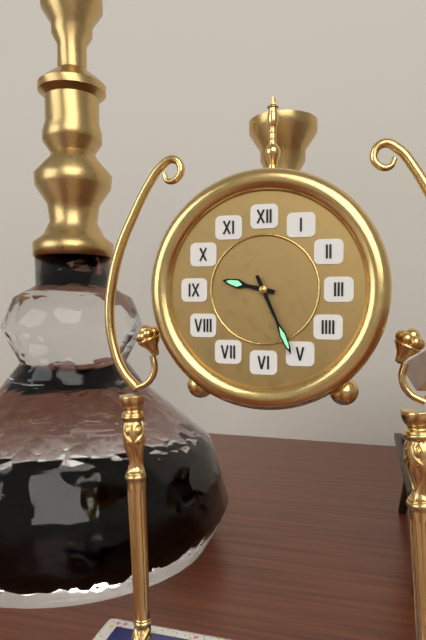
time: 9:26
